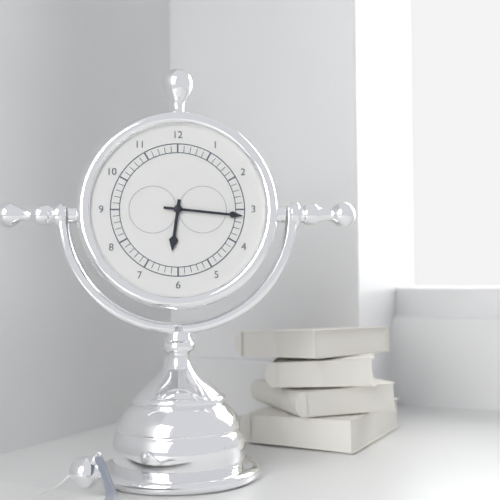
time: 6:16
